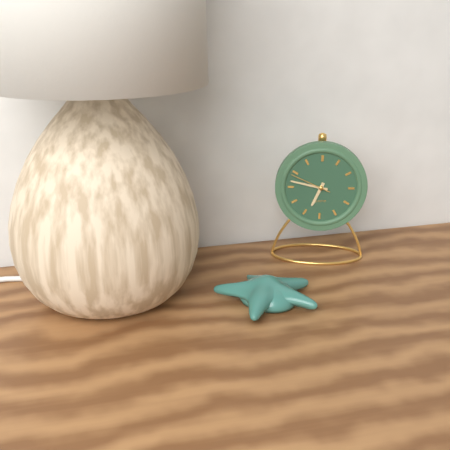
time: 6:47
